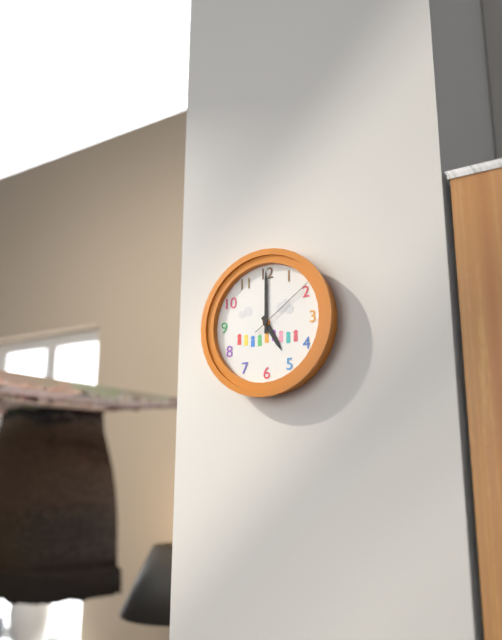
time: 5:00:09
